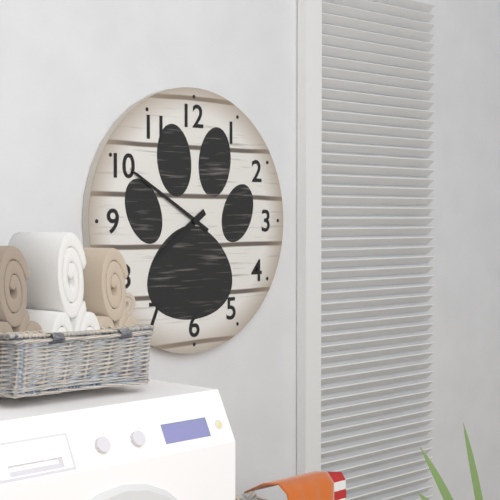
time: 7:50
